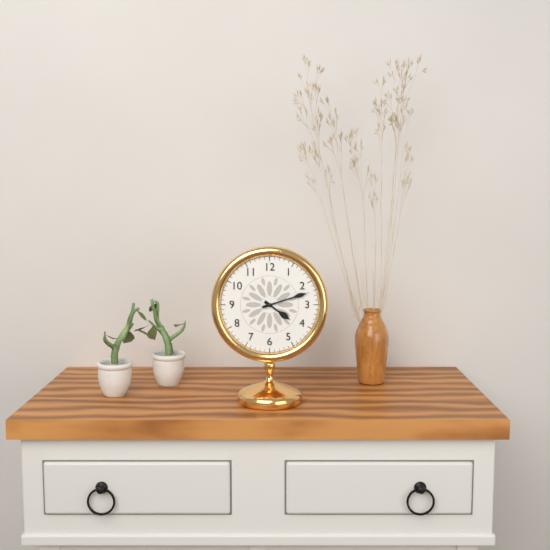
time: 4:12
